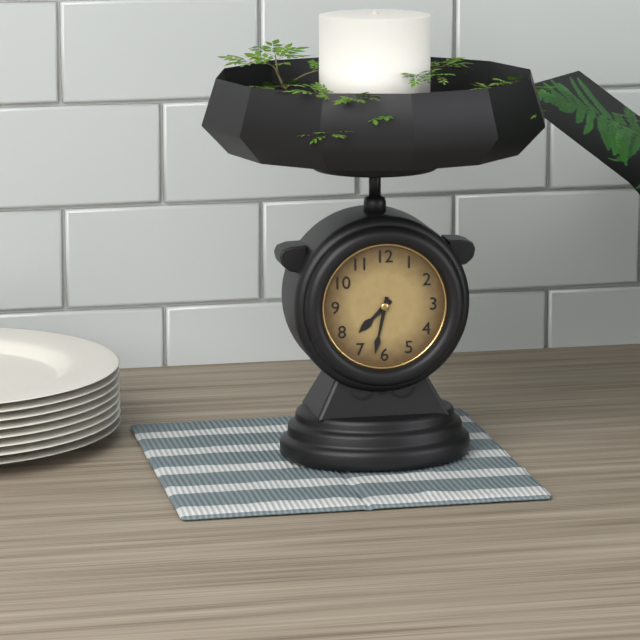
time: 7:32
